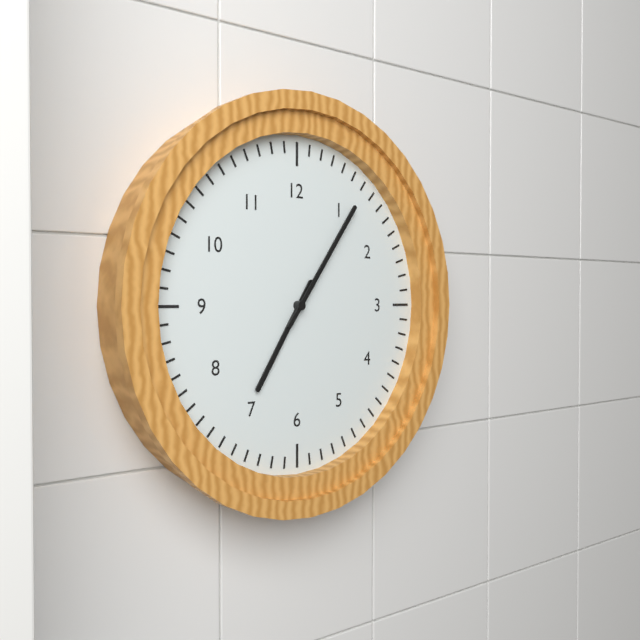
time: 7:06
